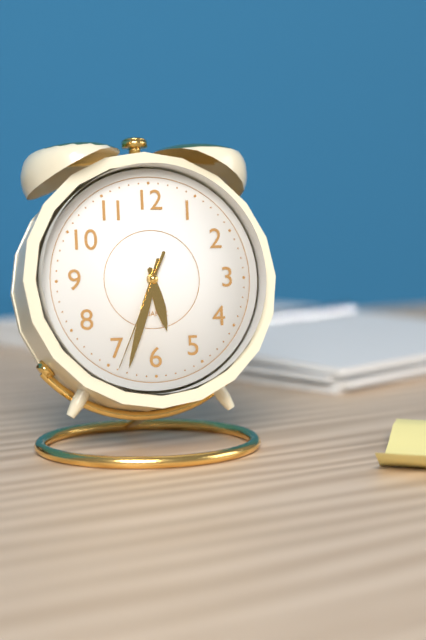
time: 5:33:34
